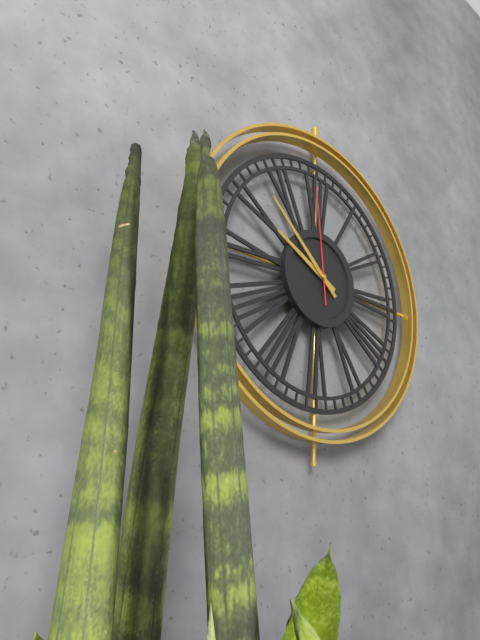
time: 9:52:59
